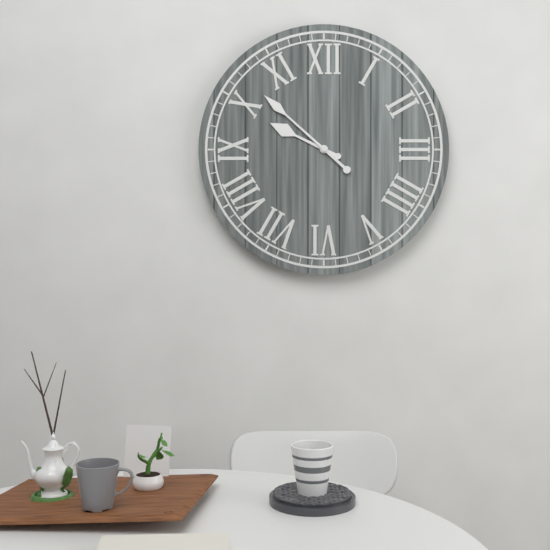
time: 9:52
